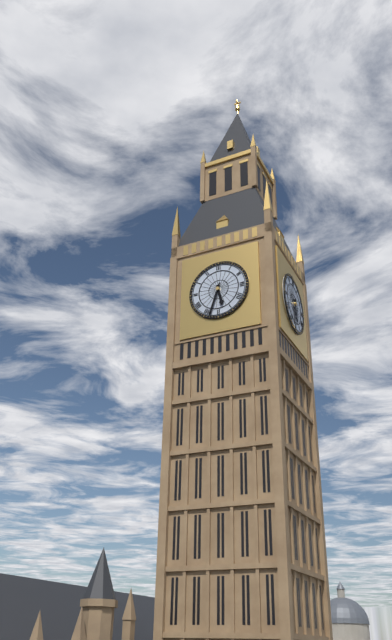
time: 5:33
